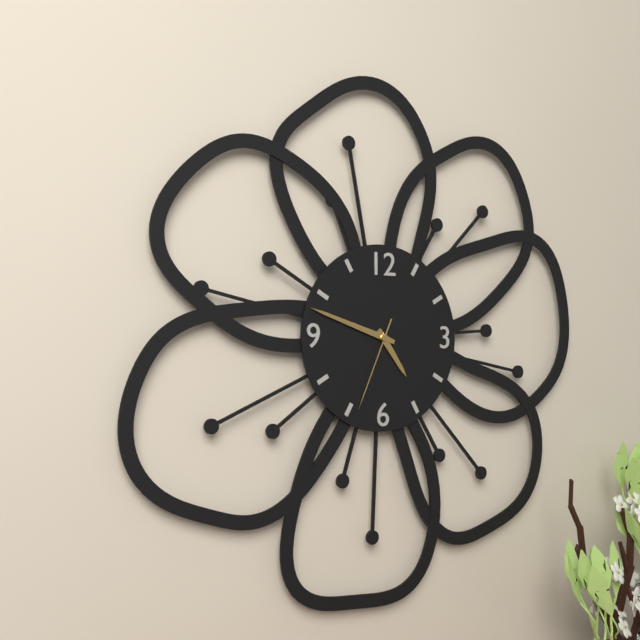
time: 4:48:34
